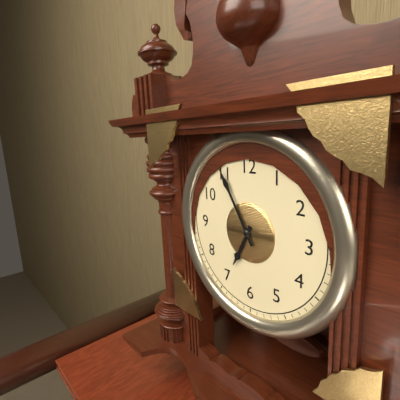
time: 6:55
